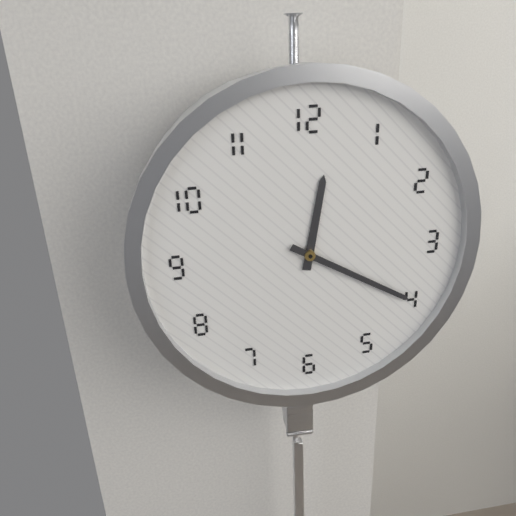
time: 12:20
